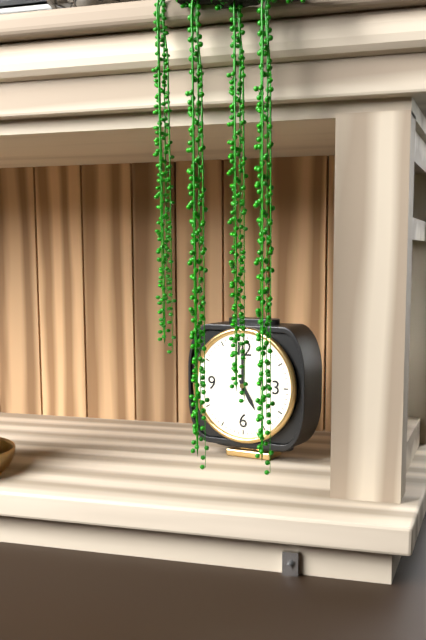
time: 5:00
